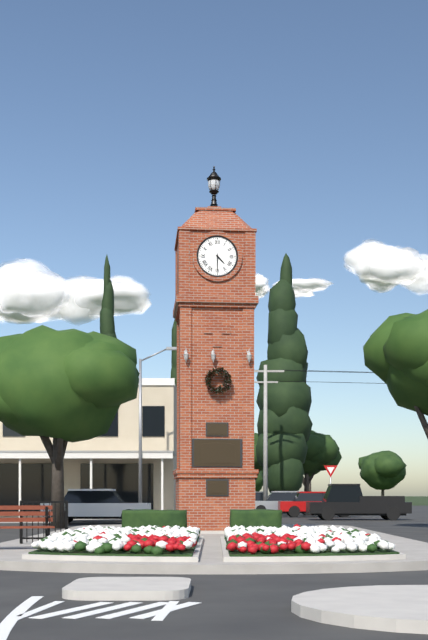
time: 4:30
